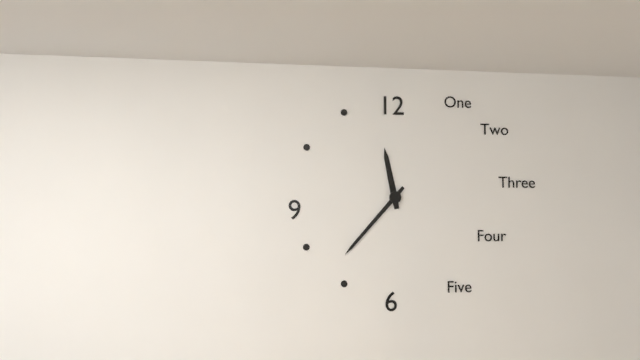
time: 11:37
